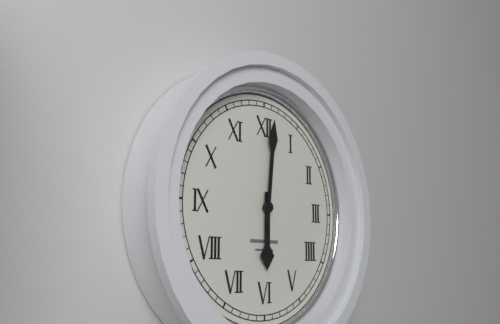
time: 6:01
